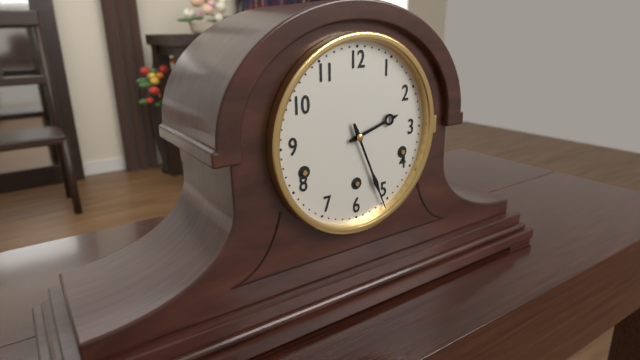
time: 2:26
